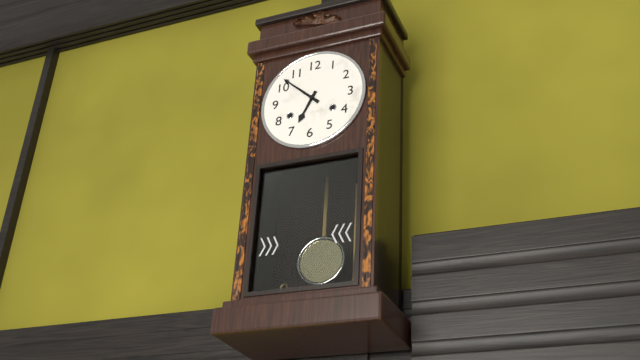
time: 6:52
